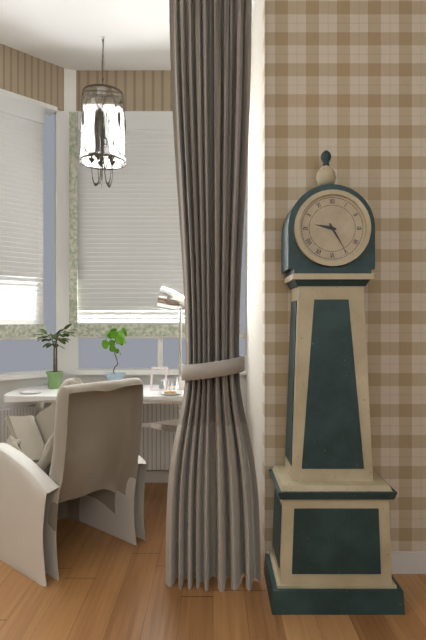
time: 9:25
